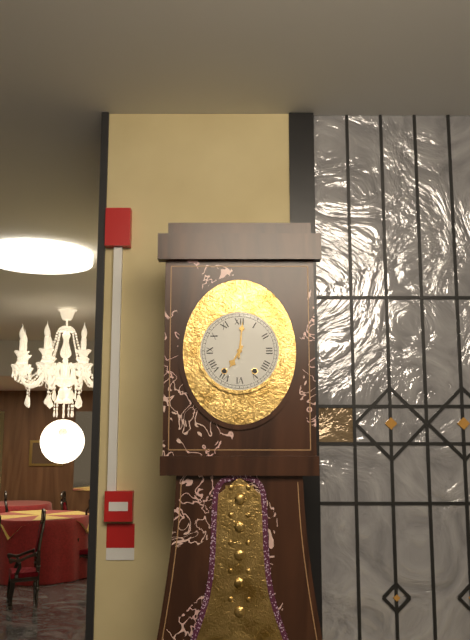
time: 7:01
